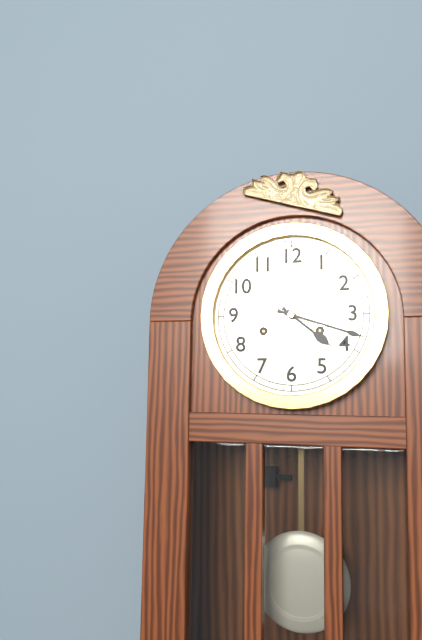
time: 4:18
